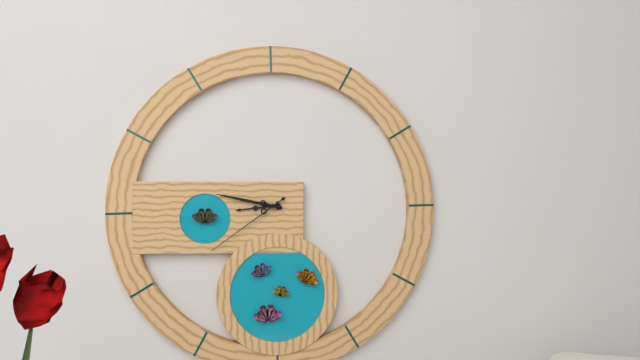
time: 8:47:39
